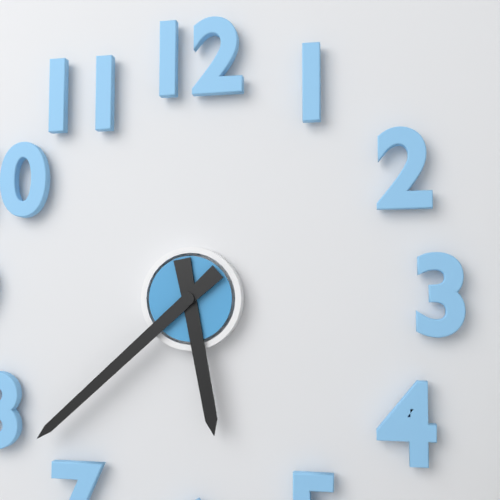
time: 5:38
